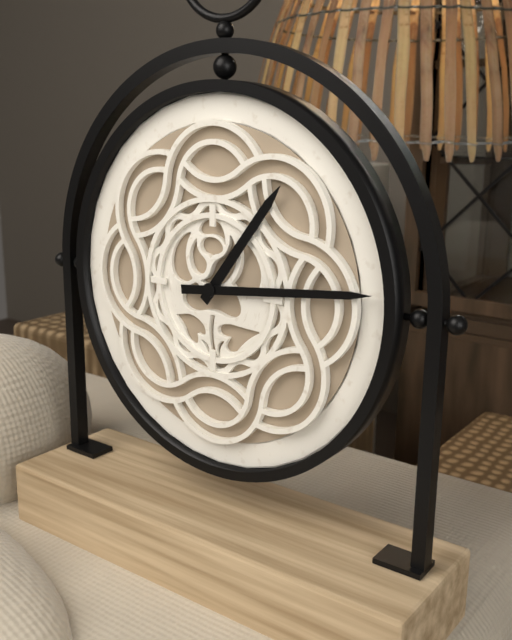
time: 1:14
